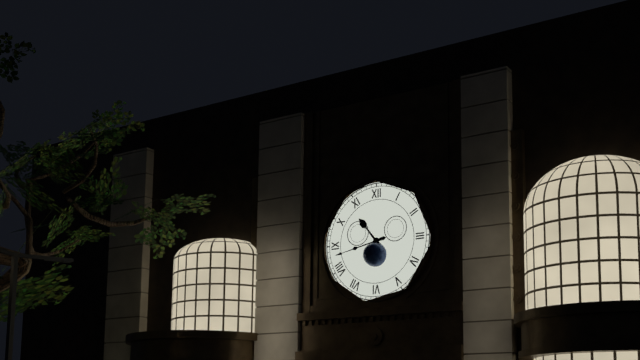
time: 10:43
